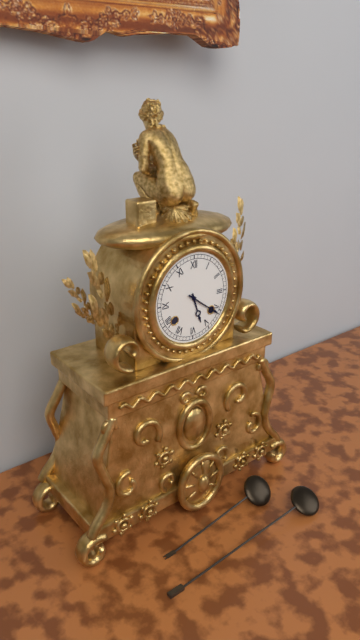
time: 5:21
